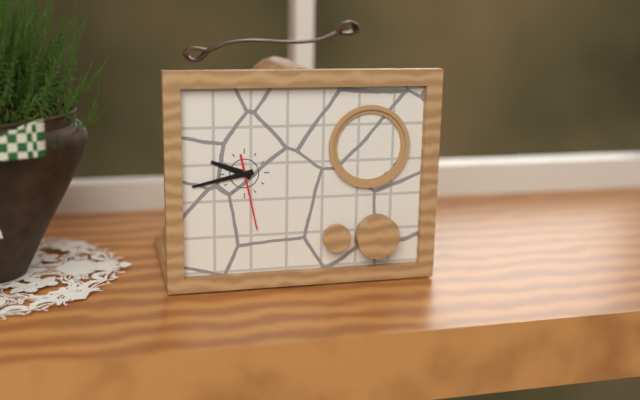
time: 9:43:28
